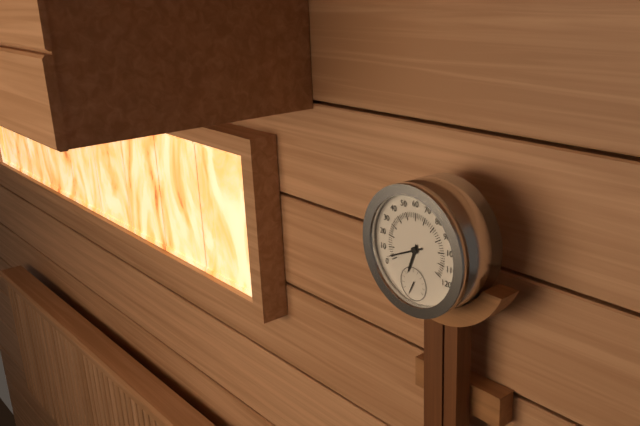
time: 6:41
